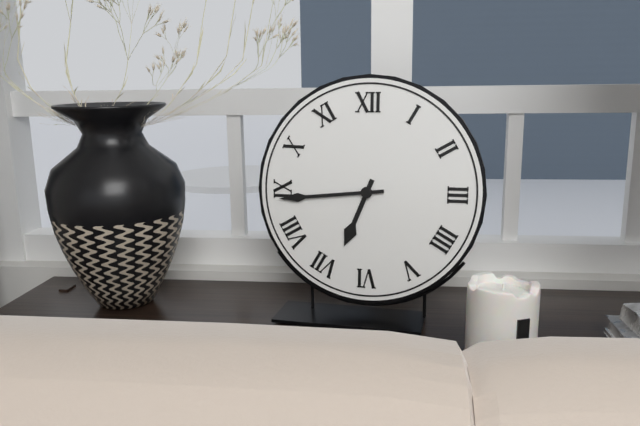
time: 6:44
